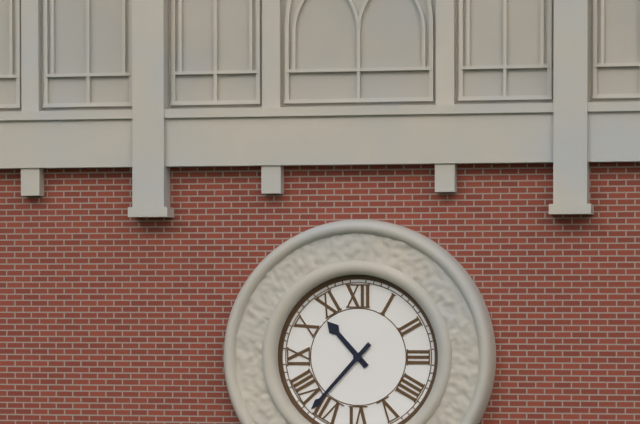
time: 10:37
